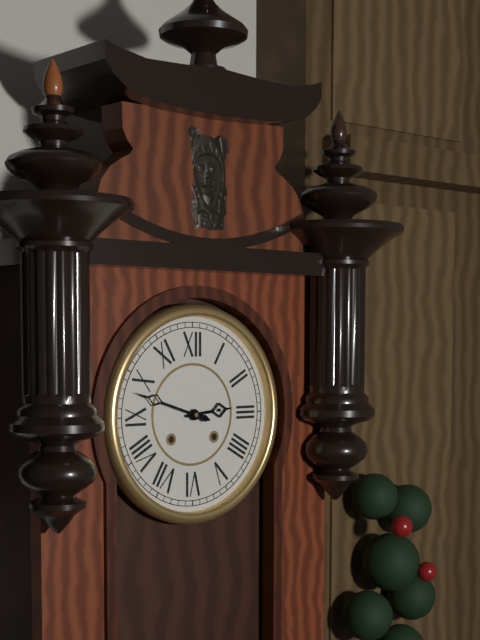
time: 2:48
